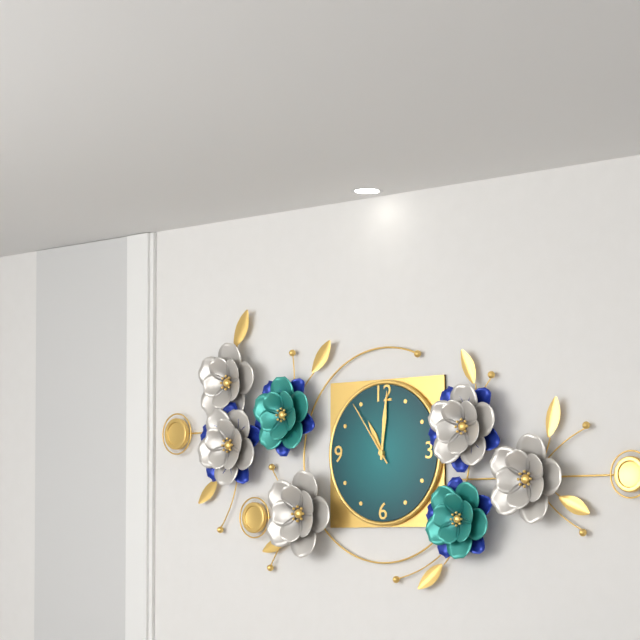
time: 11:01:54
